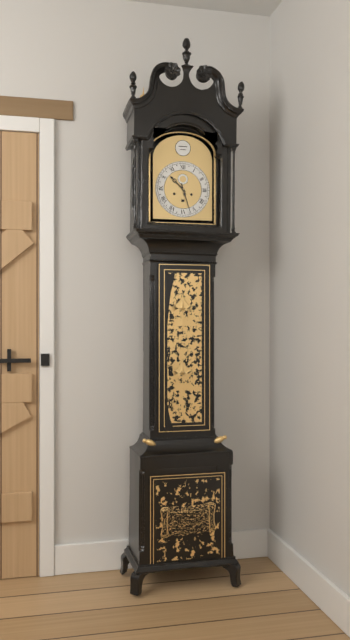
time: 10:27
